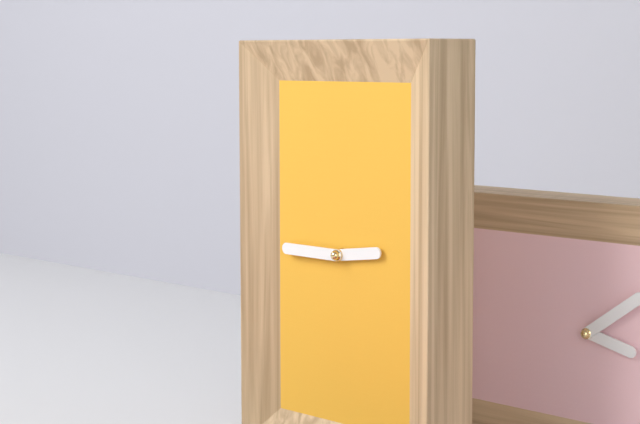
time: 2:45
